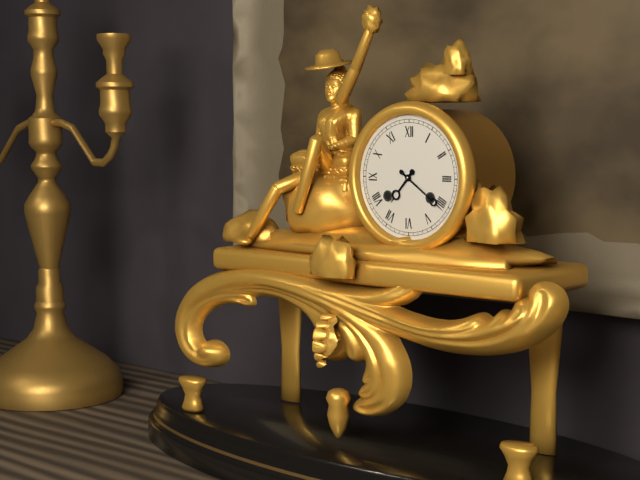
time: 7:21
